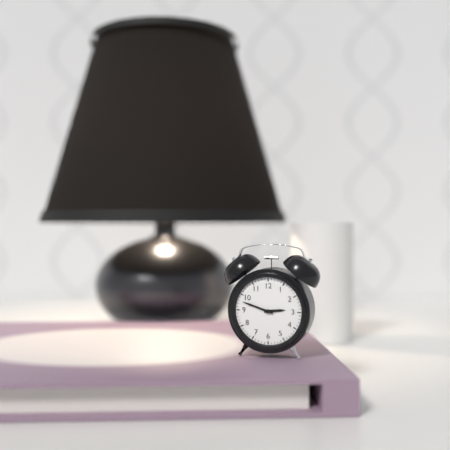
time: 2:48
